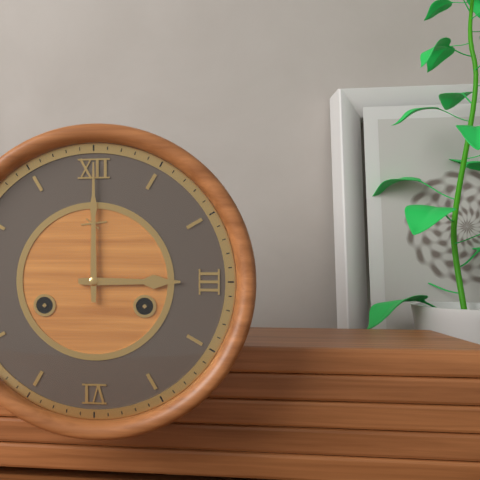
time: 3:00
